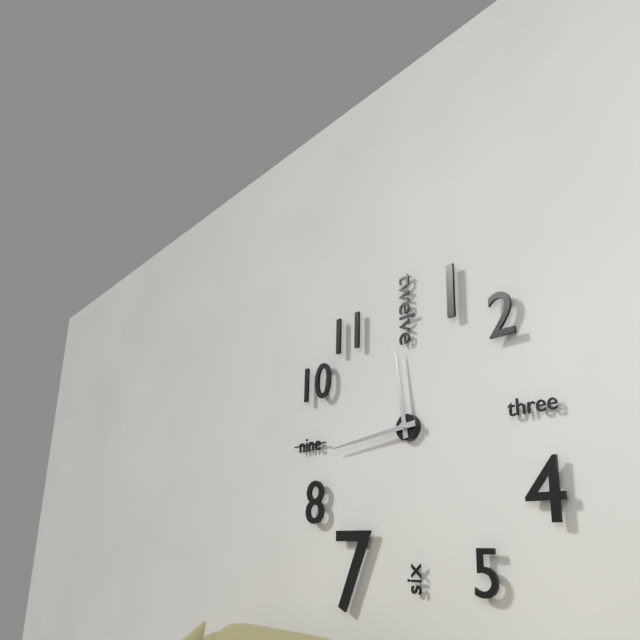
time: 11:44
